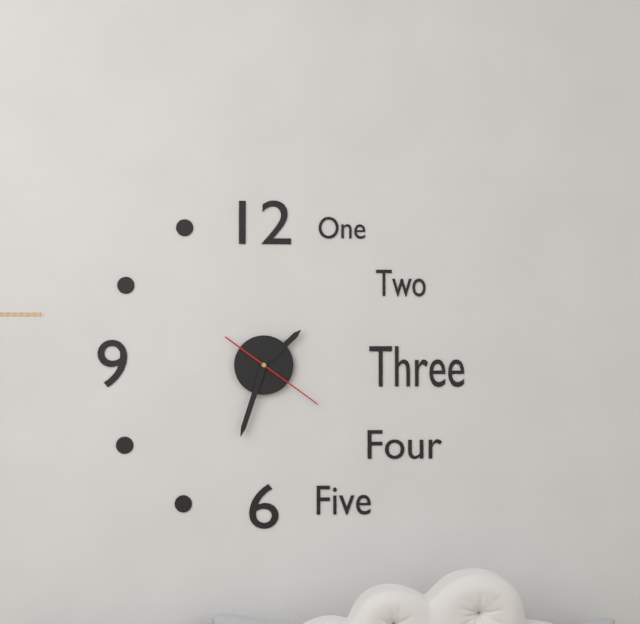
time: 1:33:21
